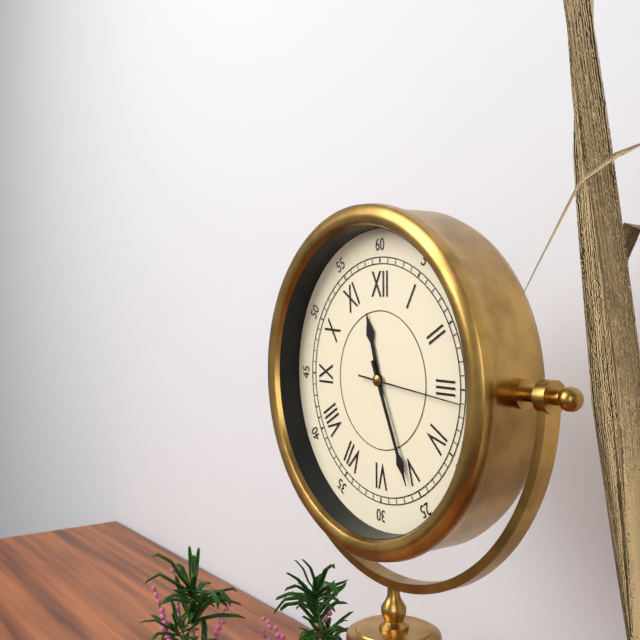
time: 11:26:16
